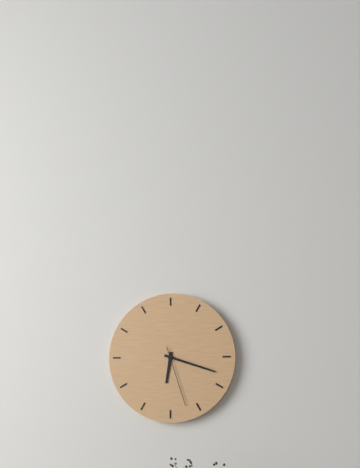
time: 6:18:27
